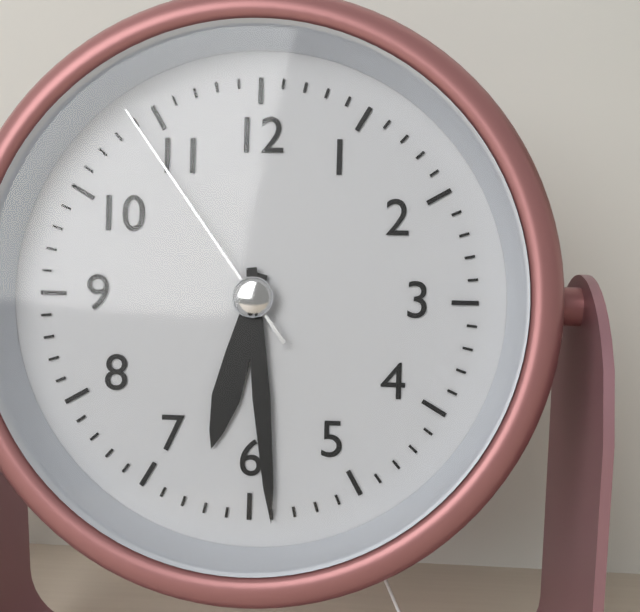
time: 6:29:54
